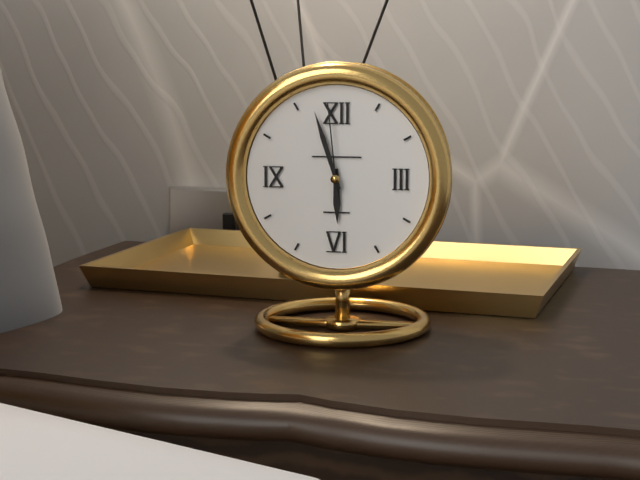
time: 5:57:59
